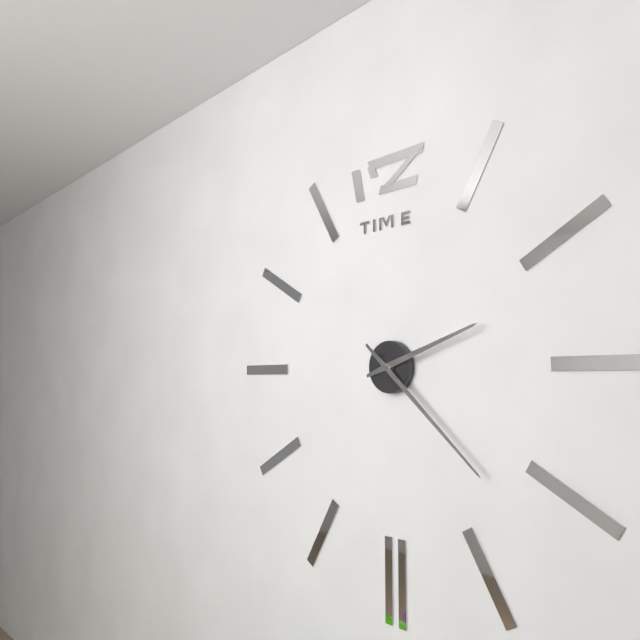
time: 2:22
